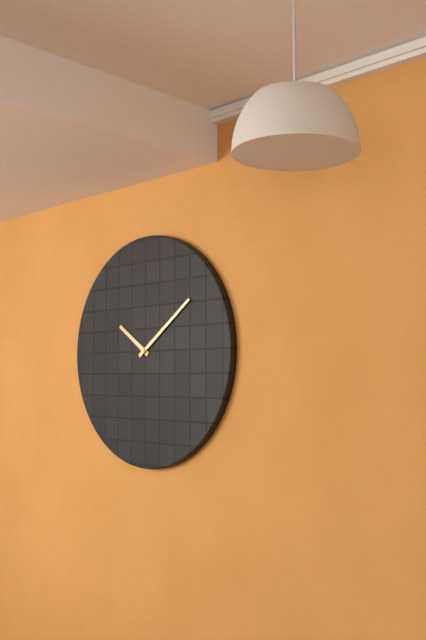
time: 10:09
